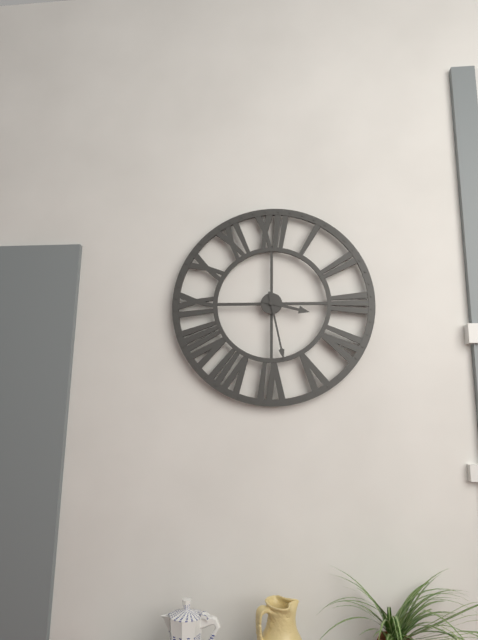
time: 3:28
